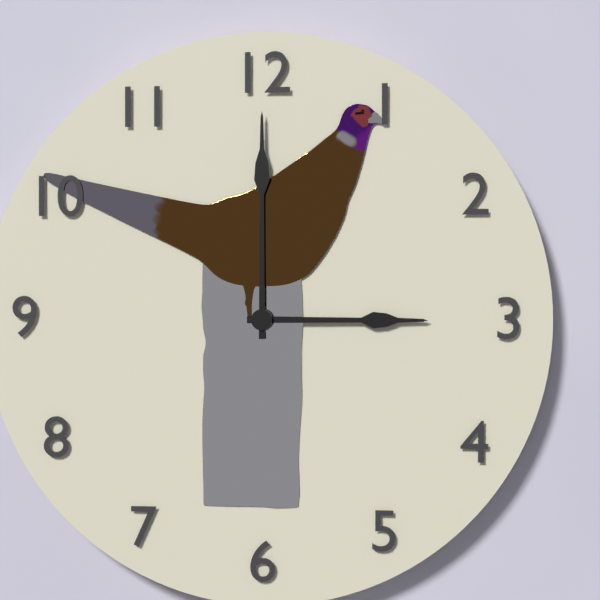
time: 3:00
